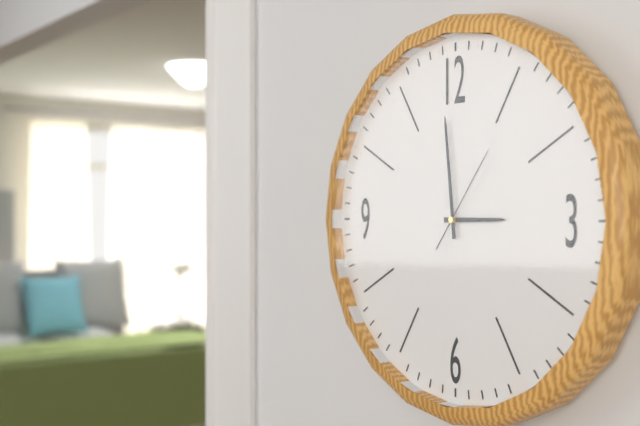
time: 2:59:06
